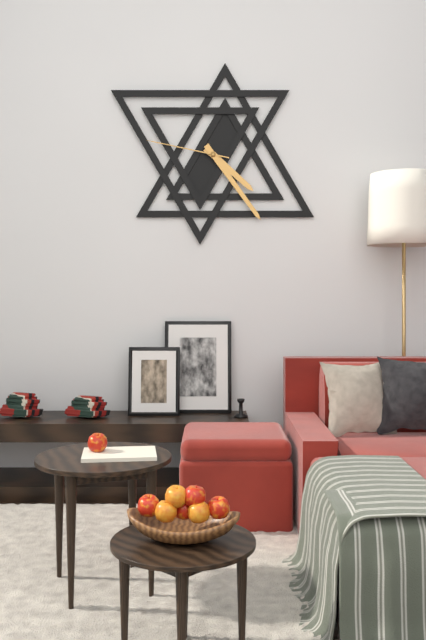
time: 4:24:47
